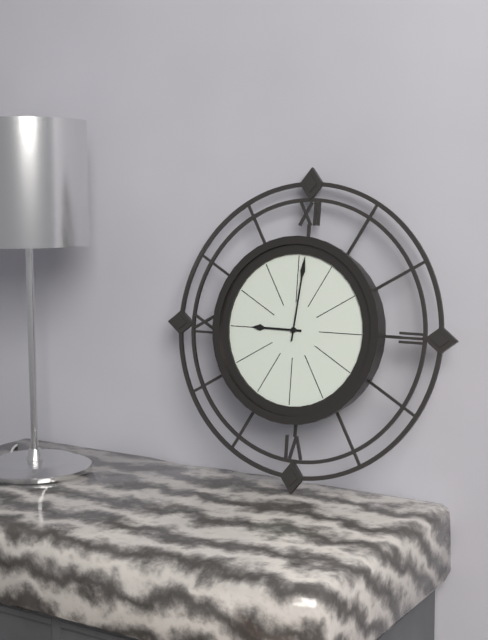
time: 9:01
